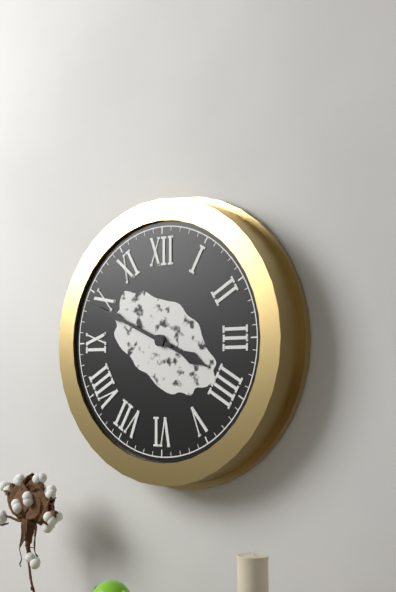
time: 3:49
